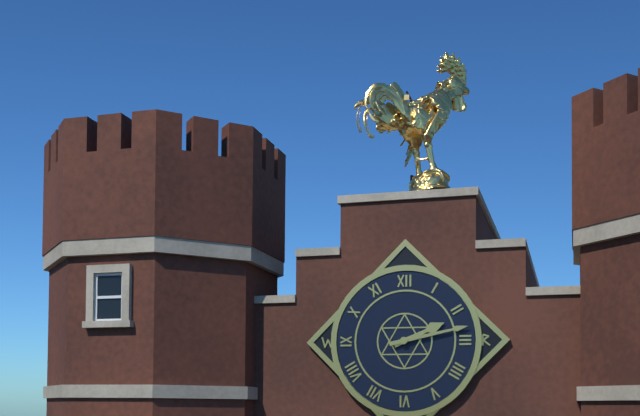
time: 2:13
